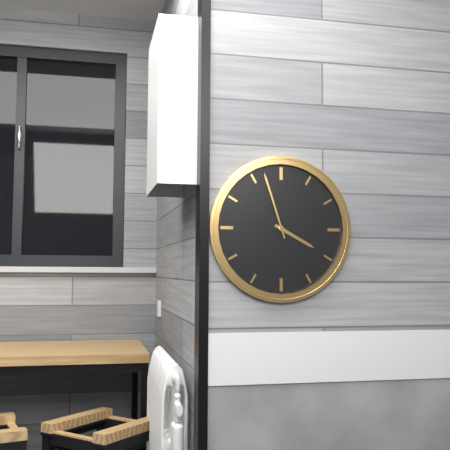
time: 3:57
